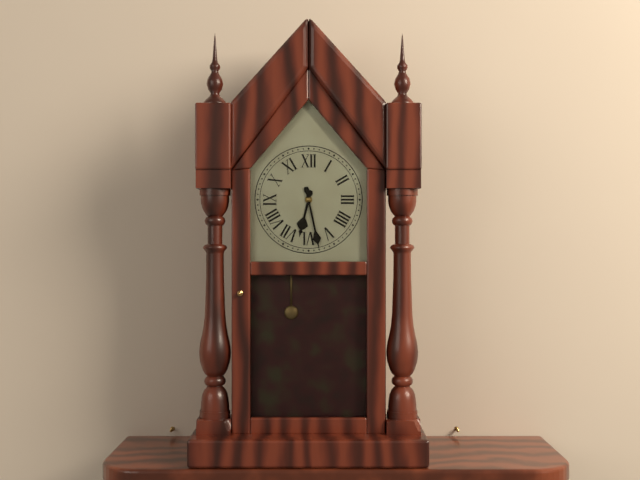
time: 6:28
